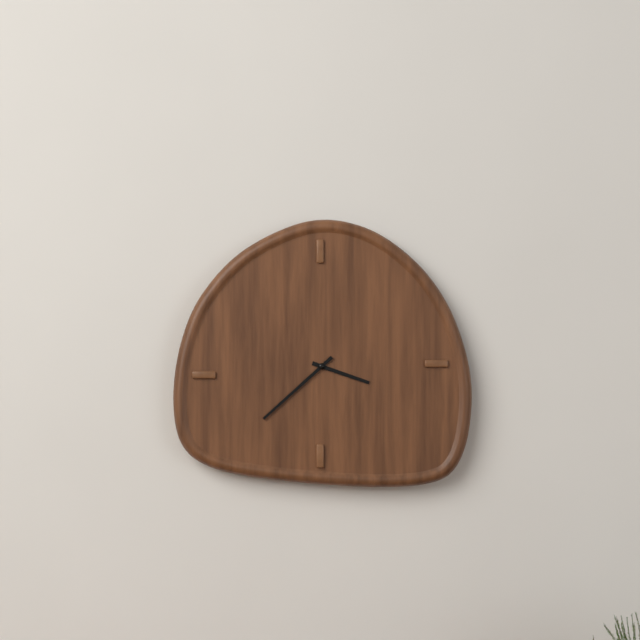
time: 3:38
